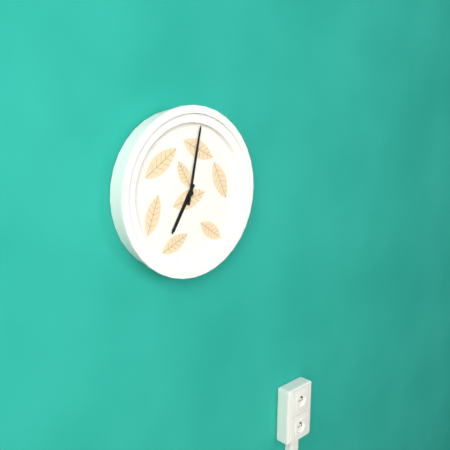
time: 7:02
